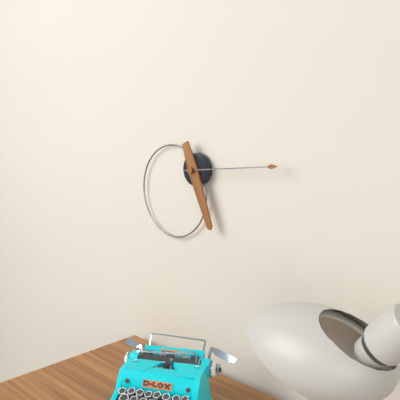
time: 5:14
